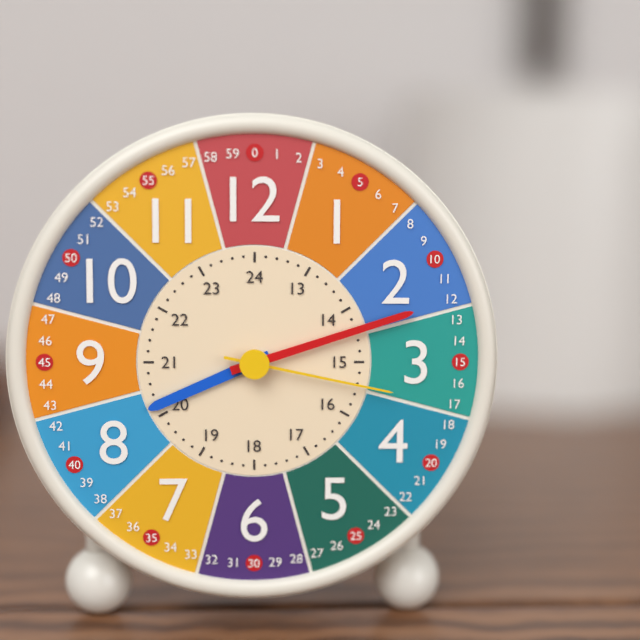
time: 8:12:17
